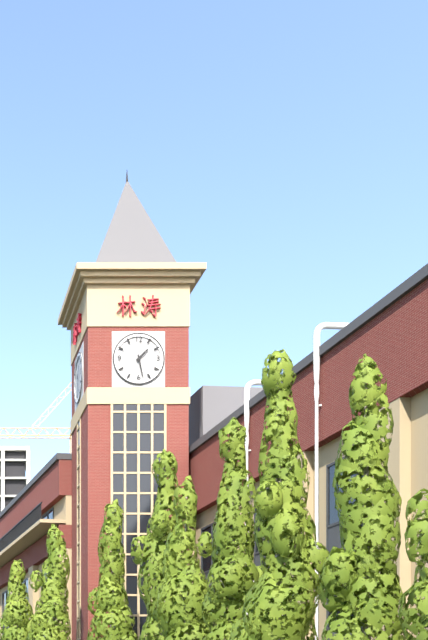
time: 1:28
